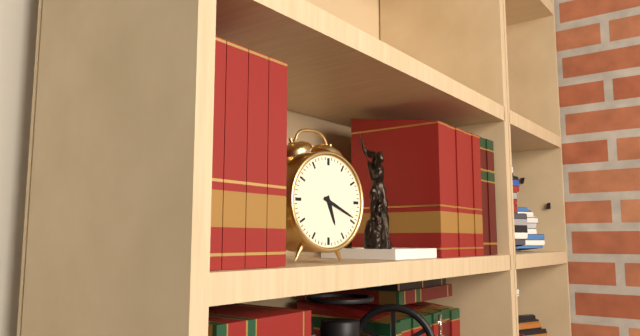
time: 5:19
